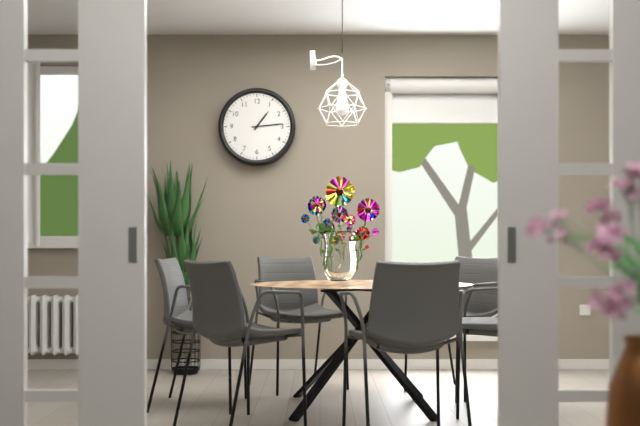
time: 1:14
